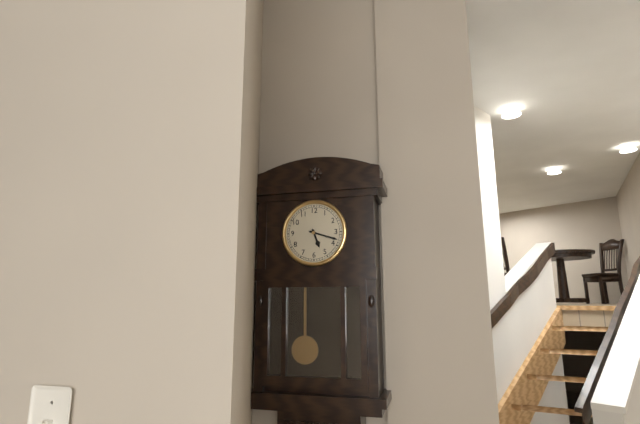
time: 5:18
